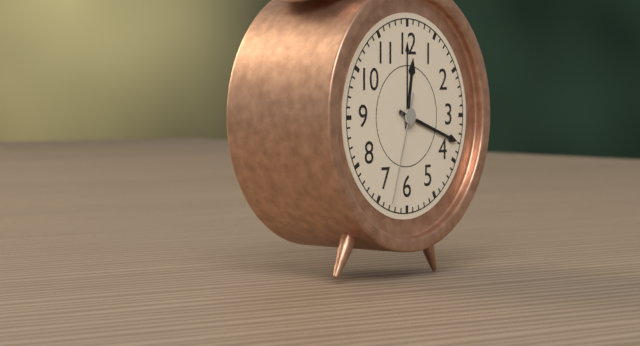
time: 12:18:33
